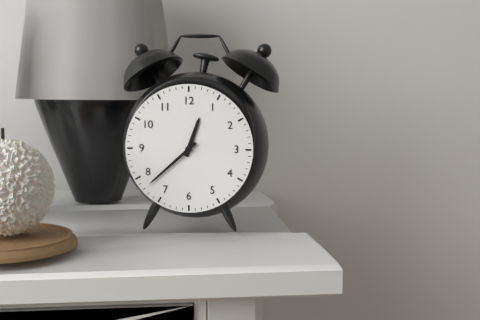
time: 12:38
